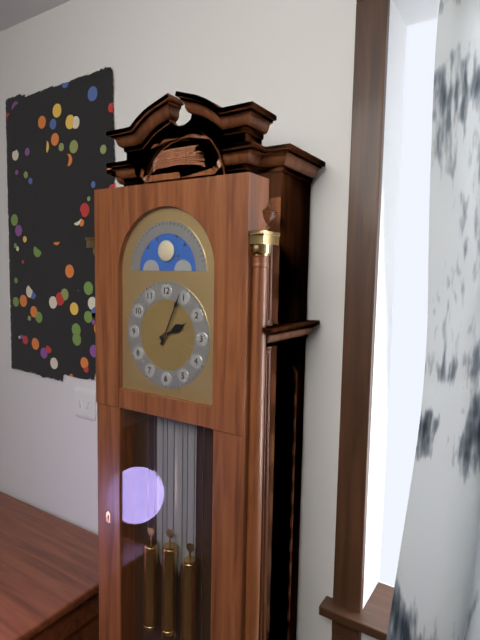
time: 2:04
